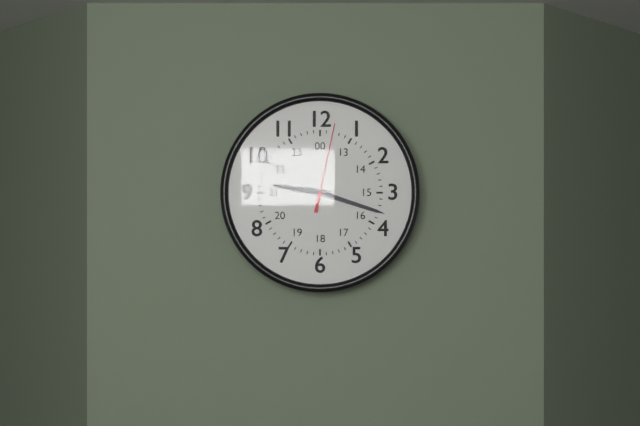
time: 9:18:02
